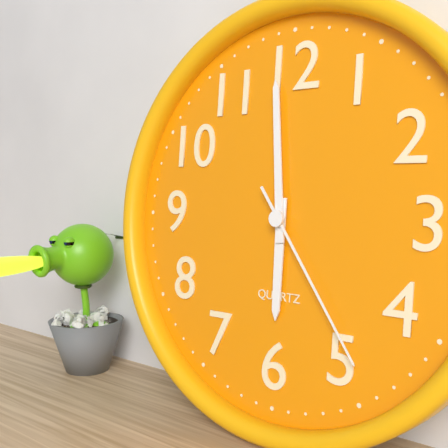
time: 5:59:24
